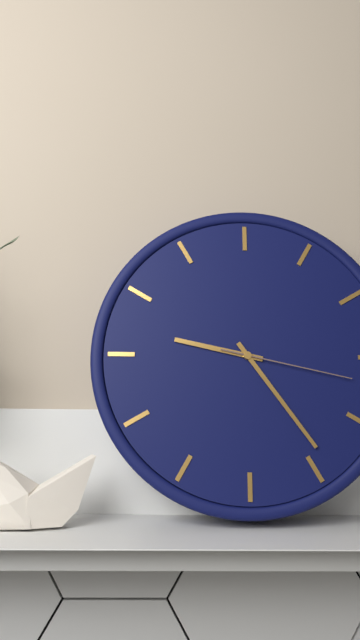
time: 9:24:17
